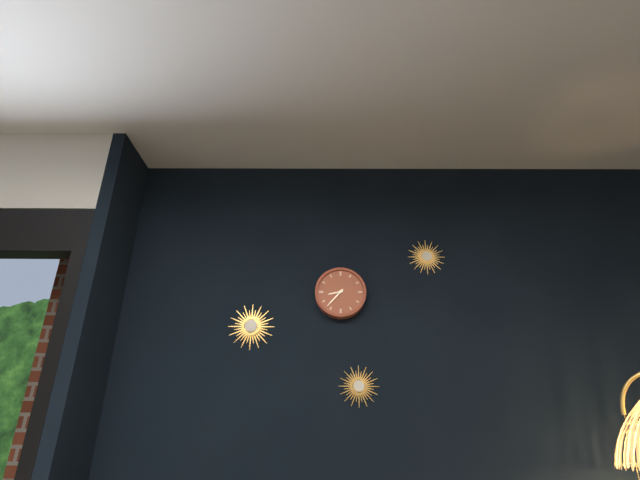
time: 8:37
